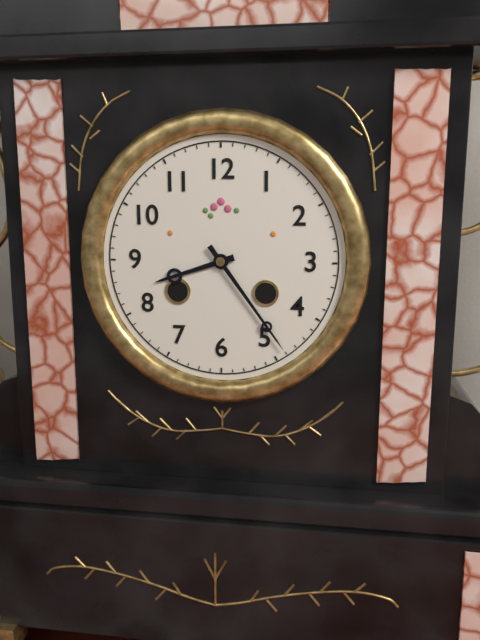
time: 8:24
